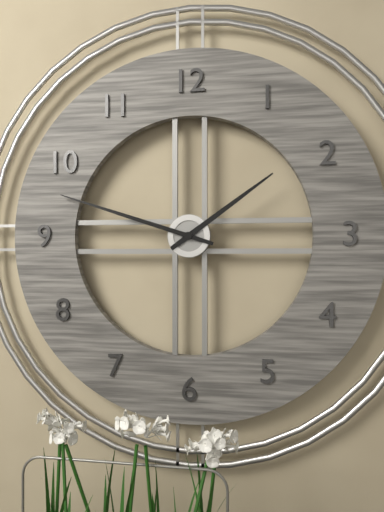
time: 1:48
